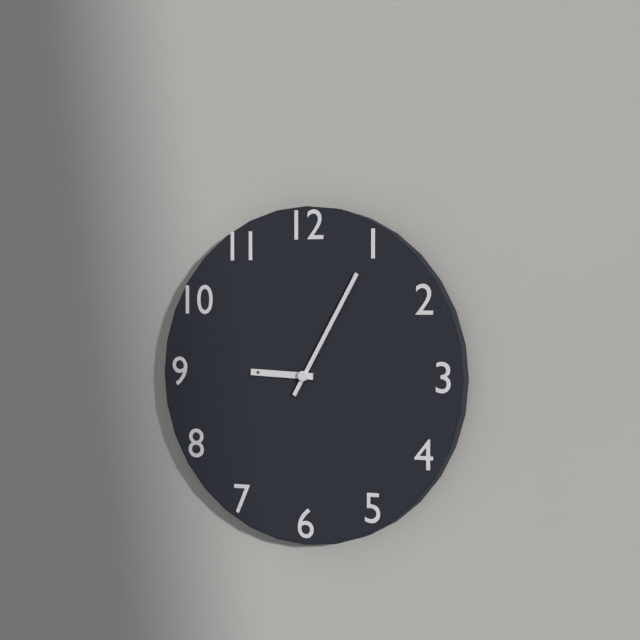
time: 9:05
